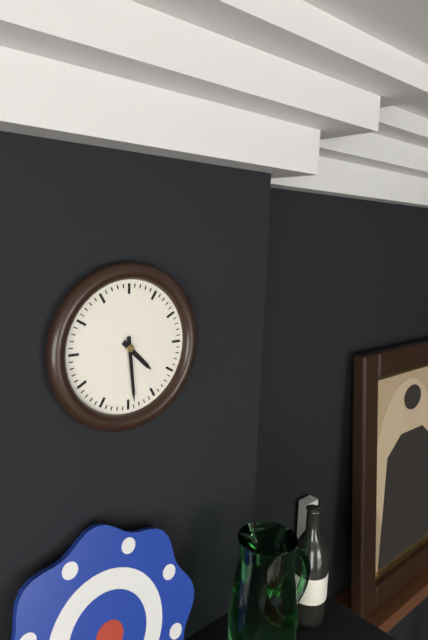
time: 4:29
